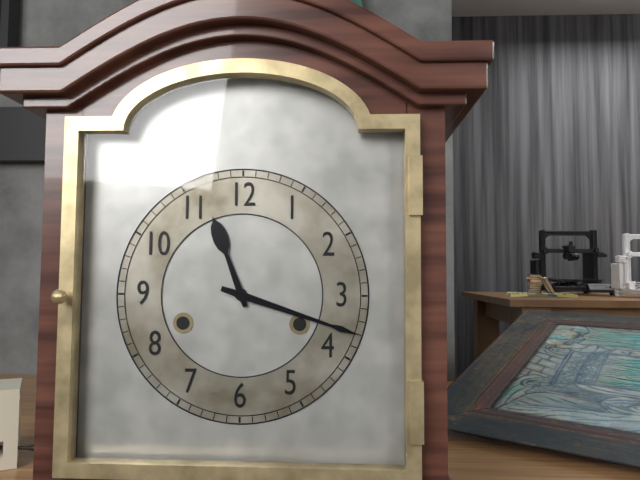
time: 11:18
